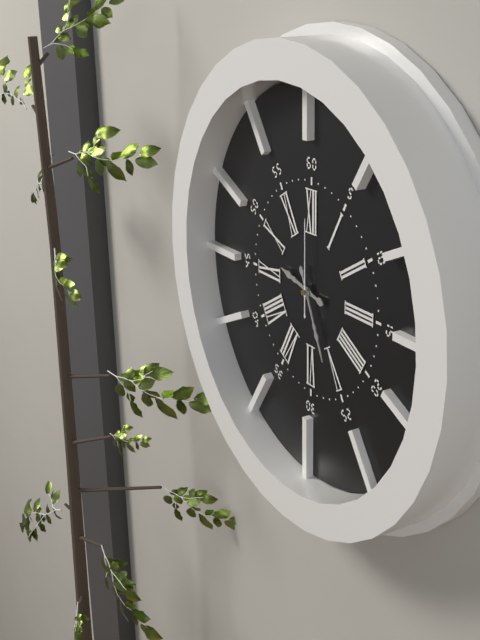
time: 9:26:00
